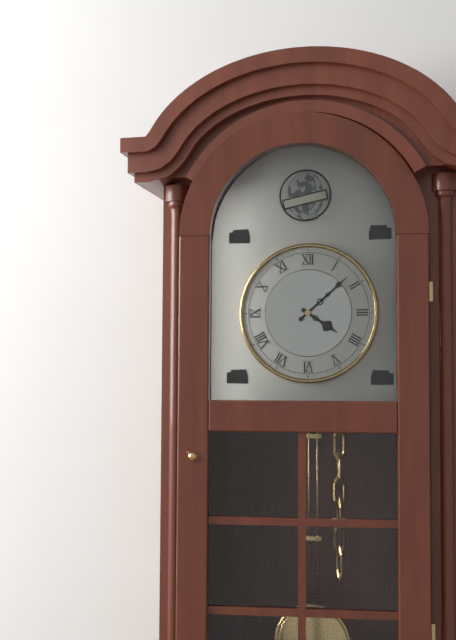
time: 4:08
